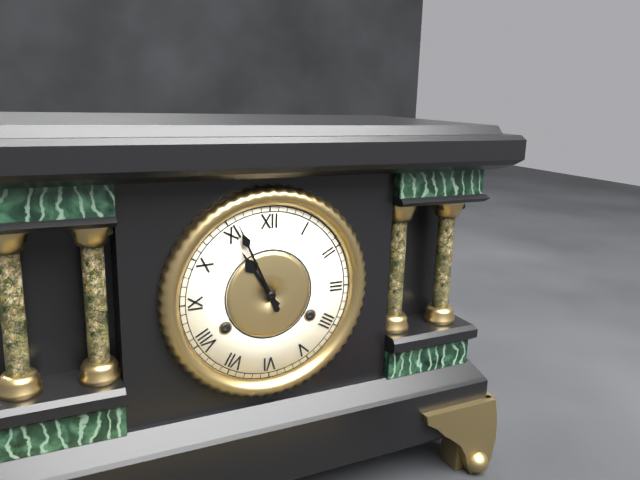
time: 10:56
